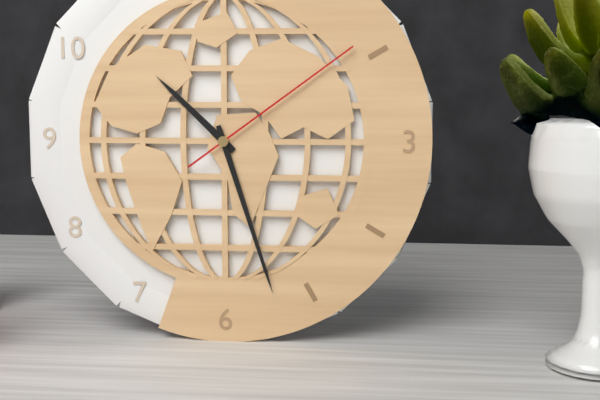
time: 10:27:09
